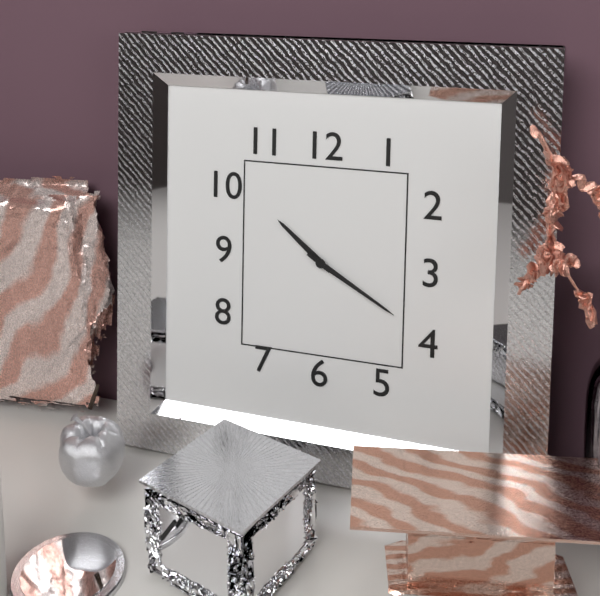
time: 10:20
